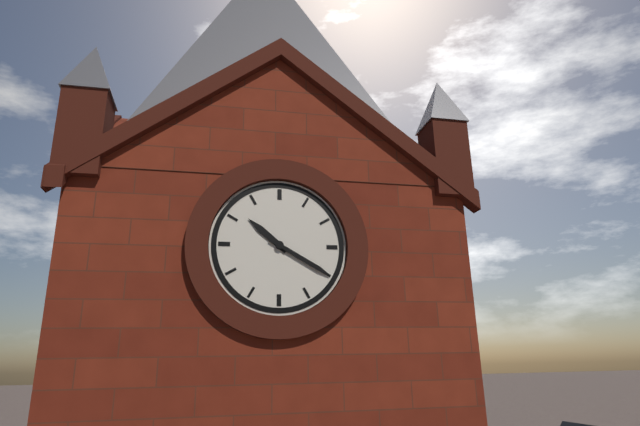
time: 10:20
